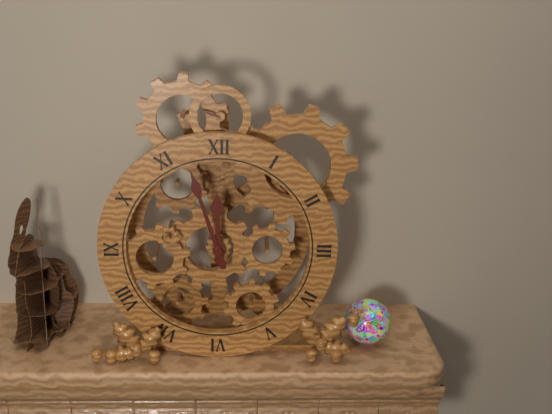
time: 11:57
